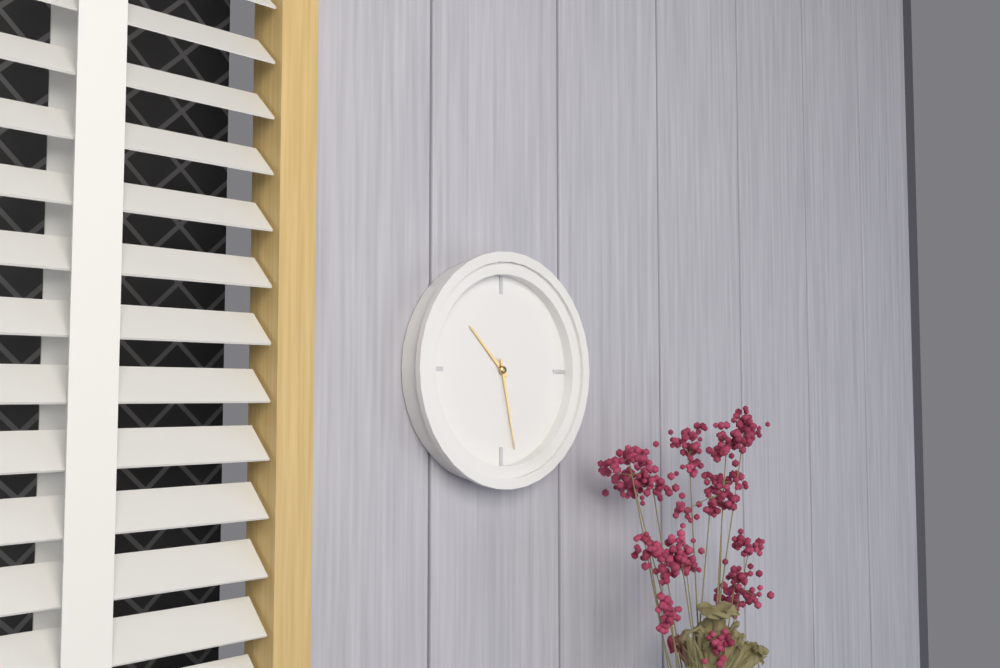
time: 10:28
